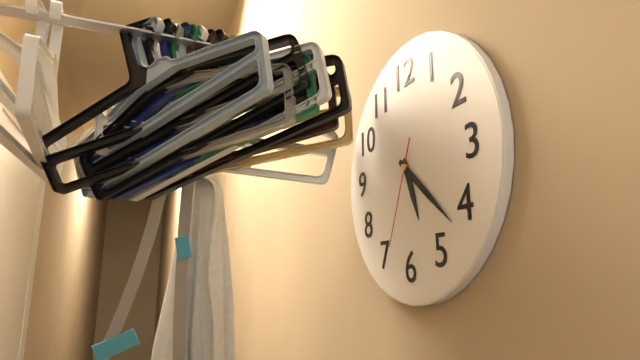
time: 5:22:34
